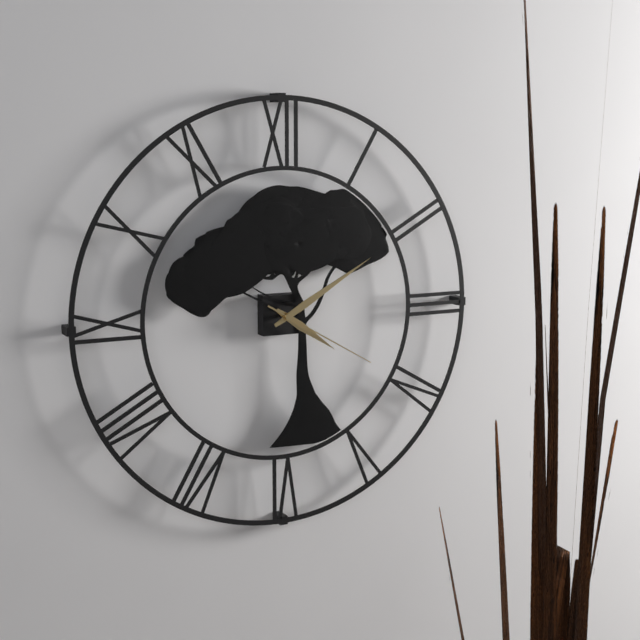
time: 4:10:20
